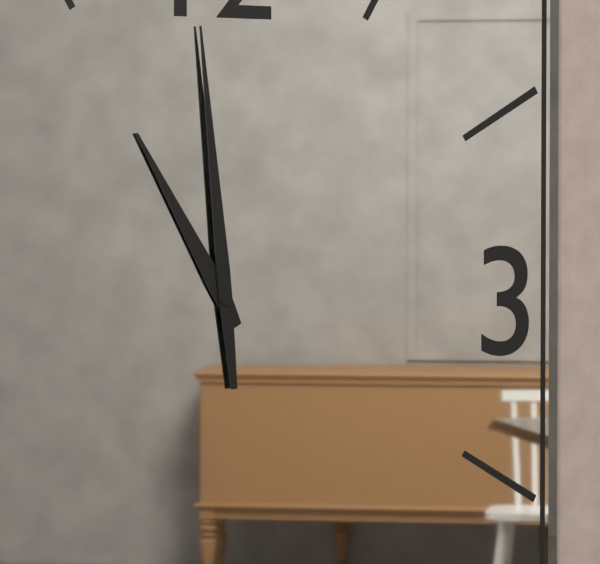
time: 10:59
